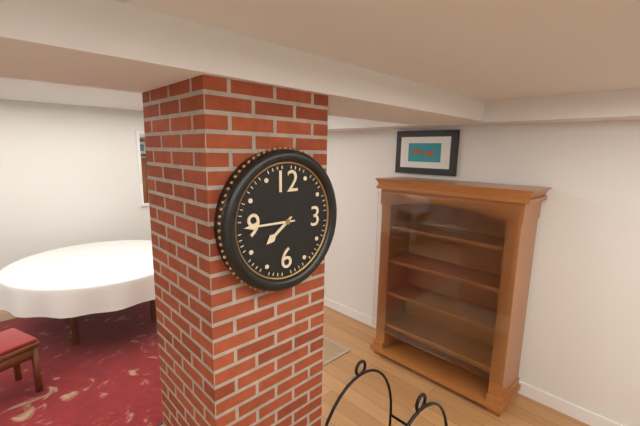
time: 7:45
